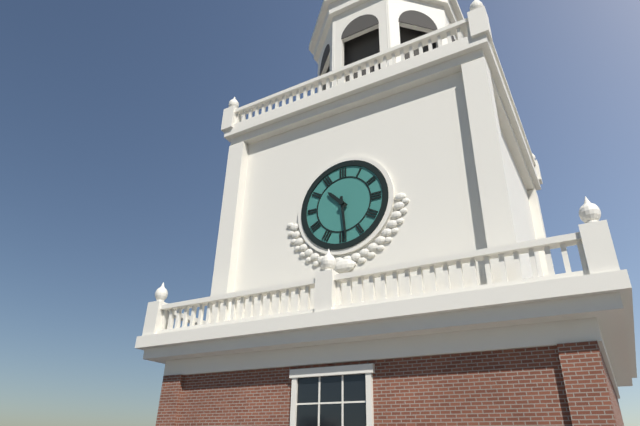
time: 10:29
